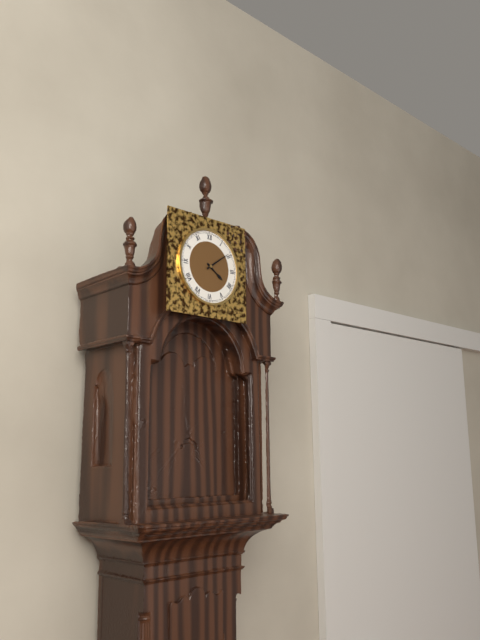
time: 4:09
